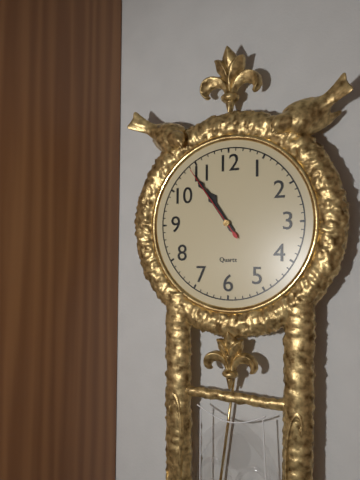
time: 10:54:54
